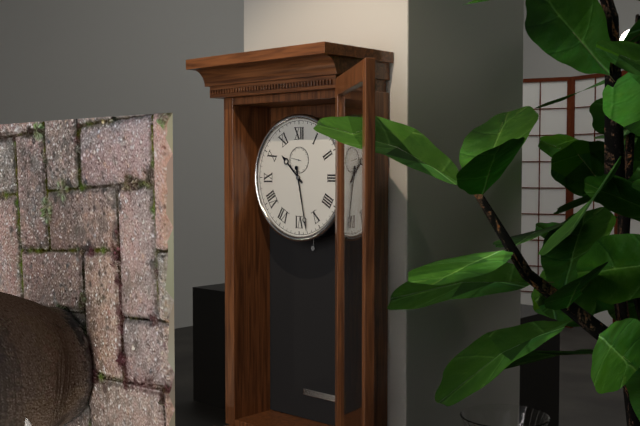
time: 10:28
